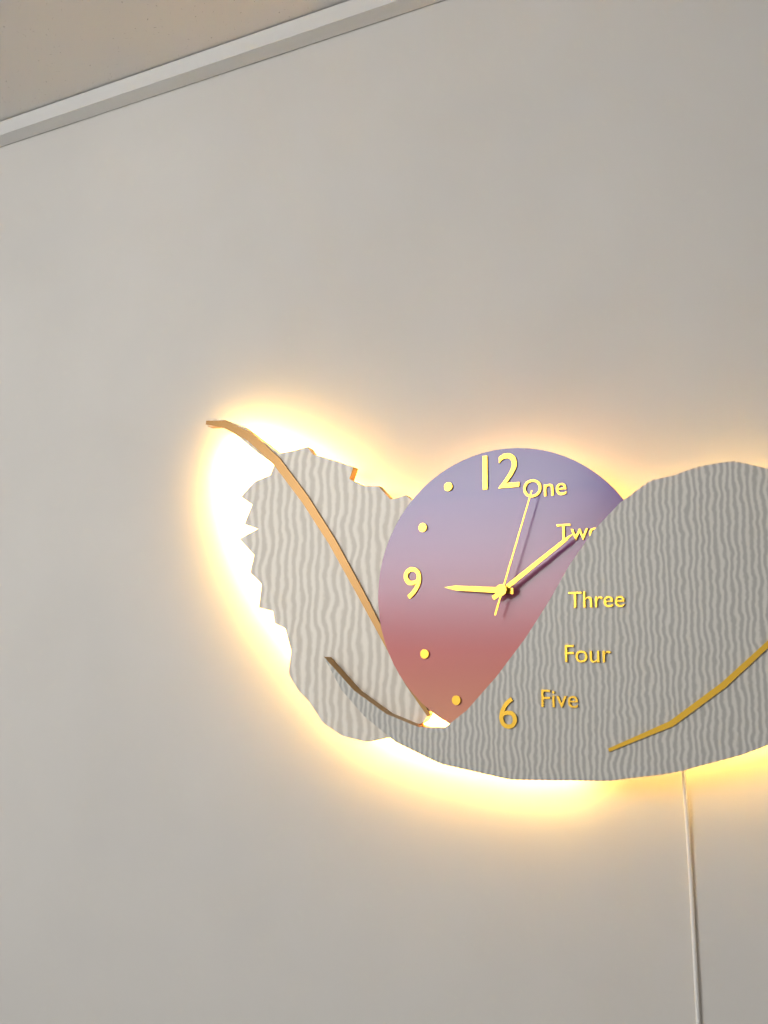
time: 9:09:03
